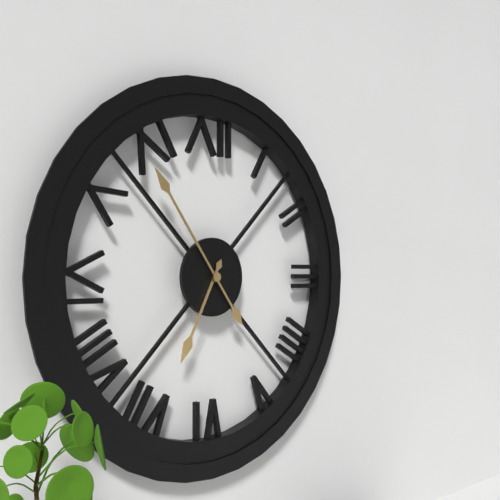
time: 6:54
